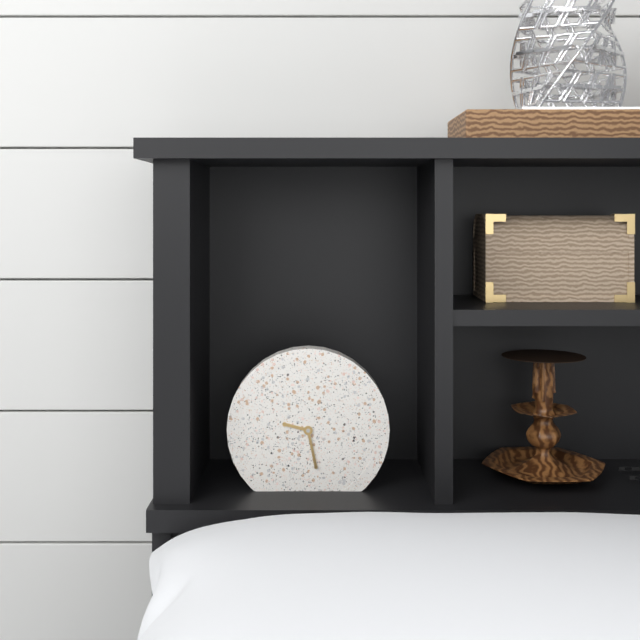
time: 9:28
